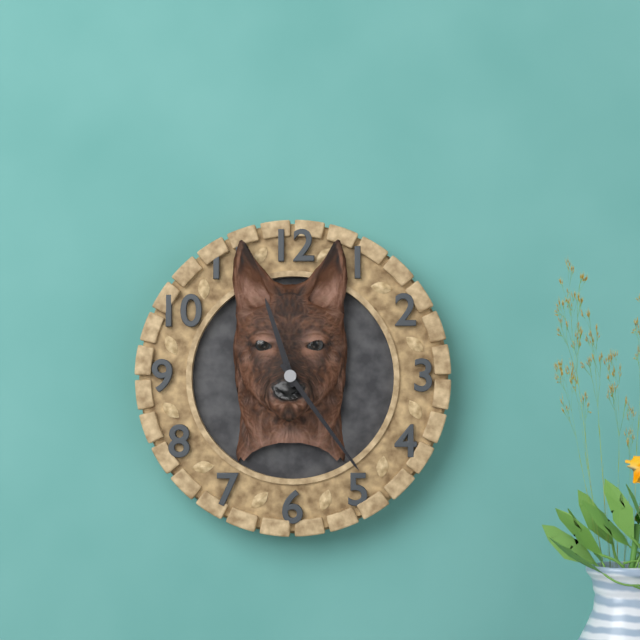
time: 11:24
